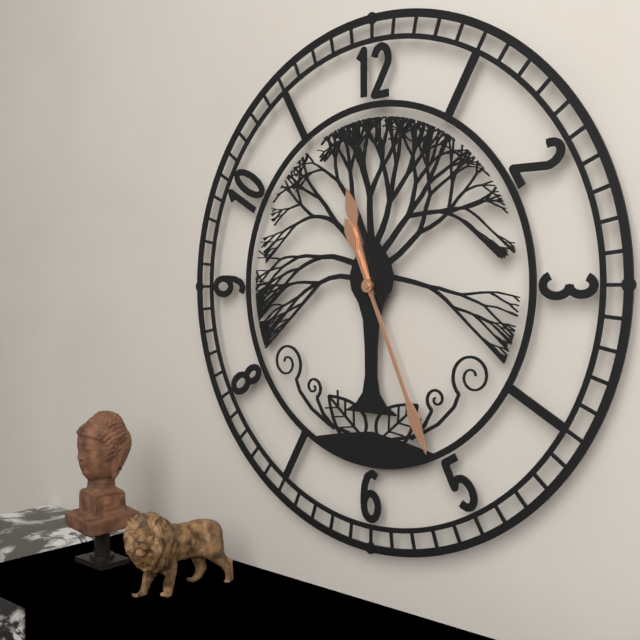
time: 11:26
